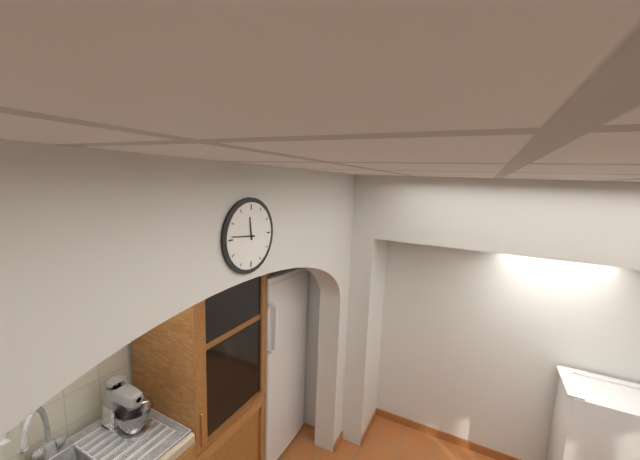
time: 11:46
